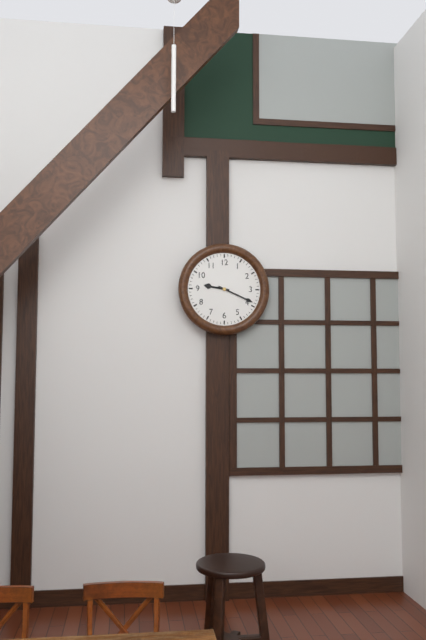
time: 9:19
